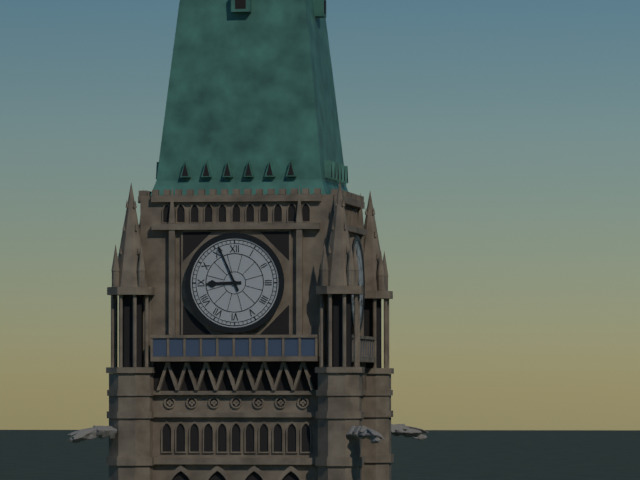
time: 8:56
